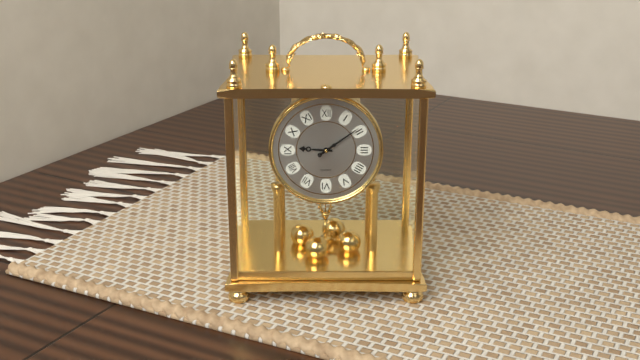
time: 9:09
